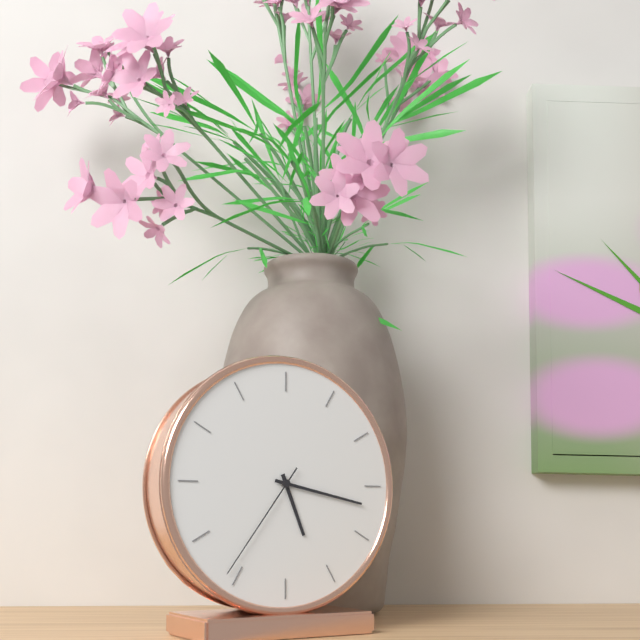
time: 5:17:36
